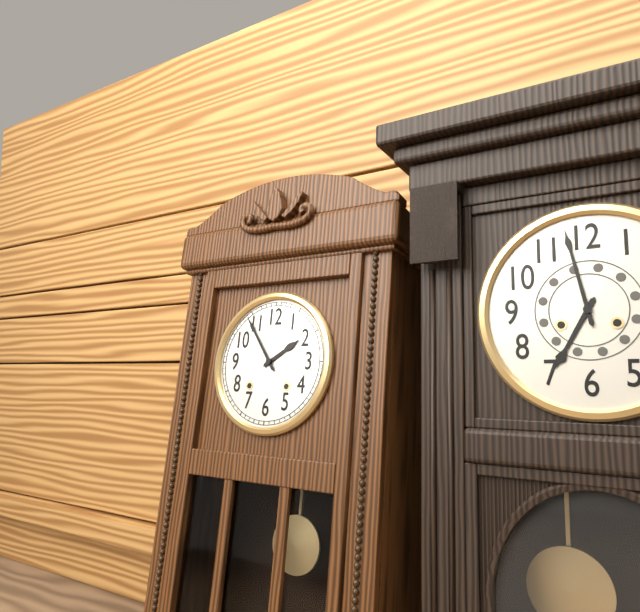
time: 1:54
